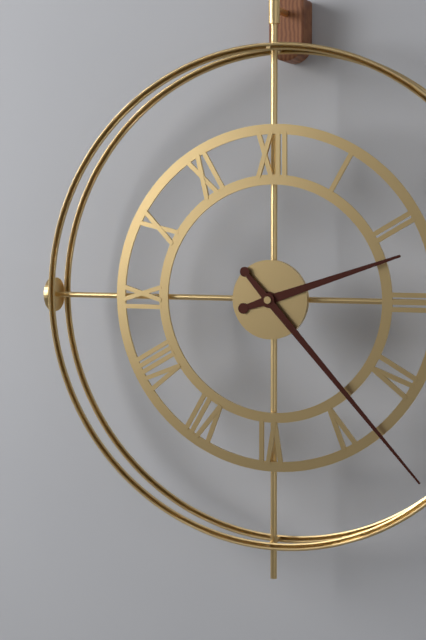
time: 2:23
